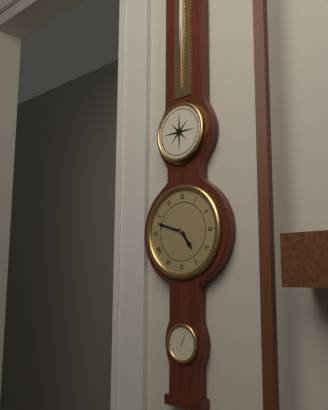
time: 4:48
